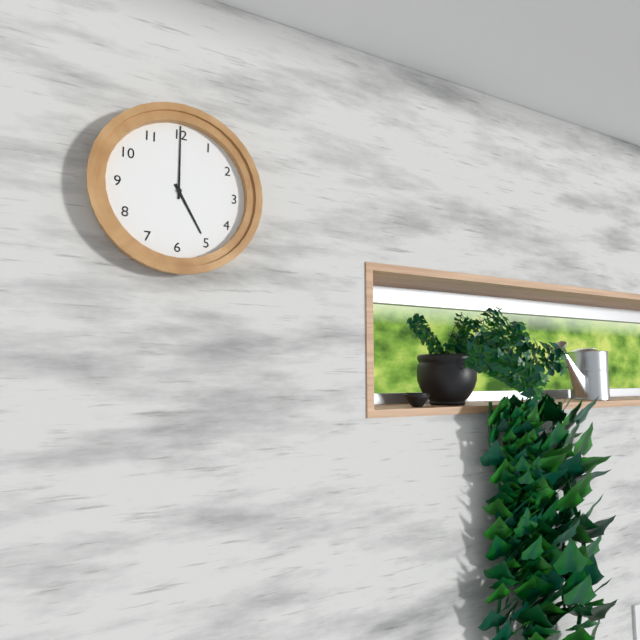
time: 5:00
